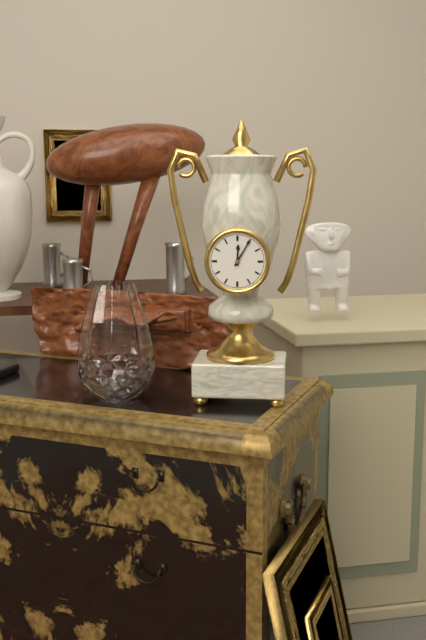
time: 12:05
